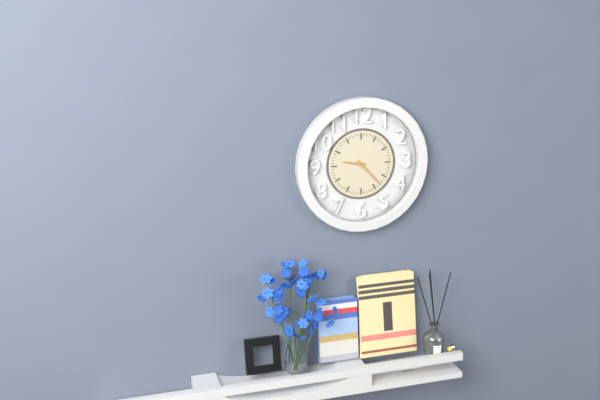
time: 9:23
